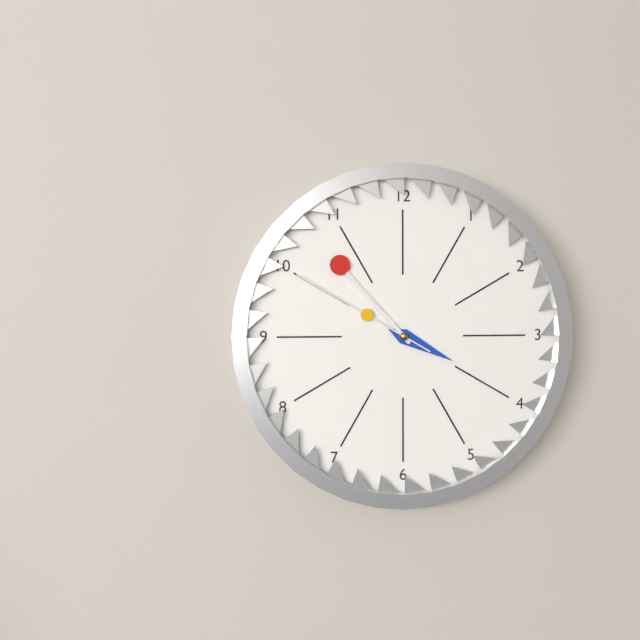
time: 3:53:50
